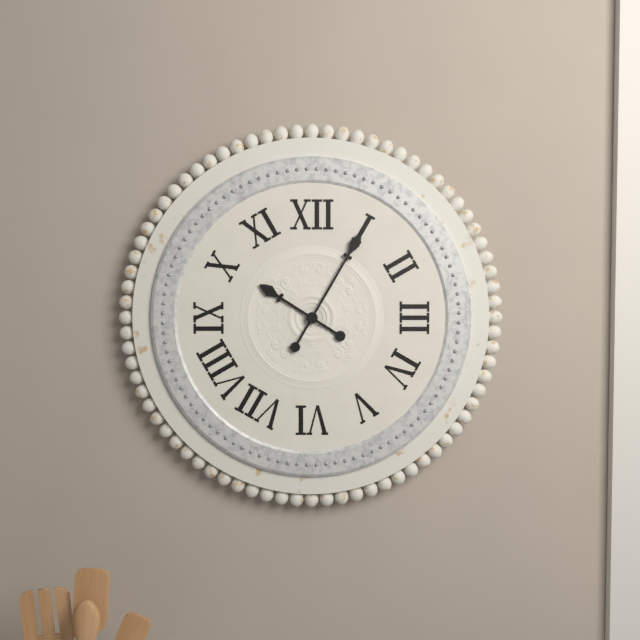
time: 10:05
